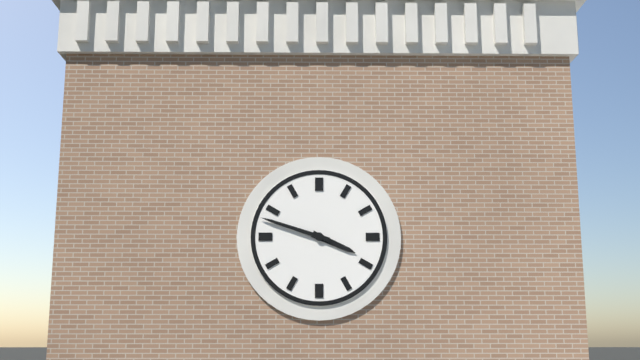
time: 3:48
